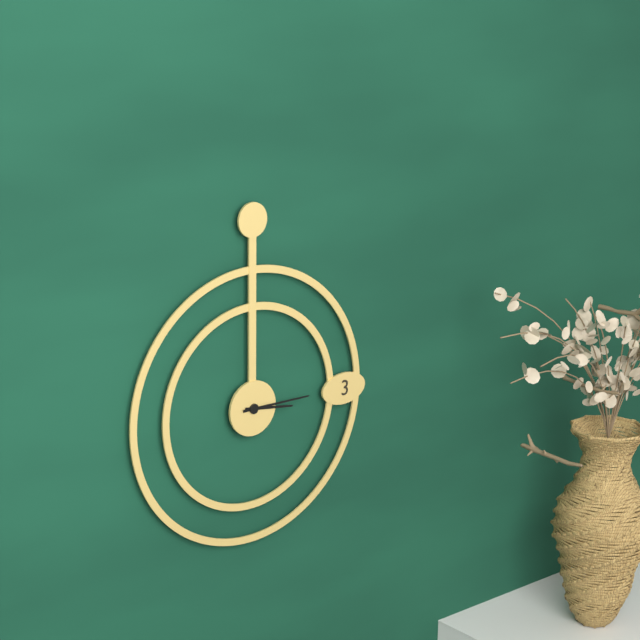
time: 3:15
